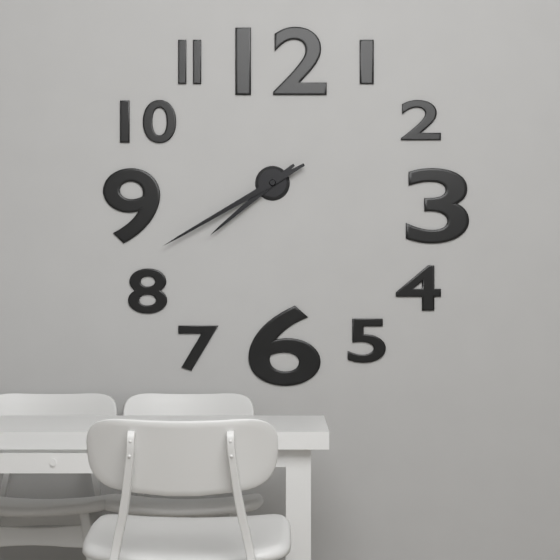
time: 7:40
